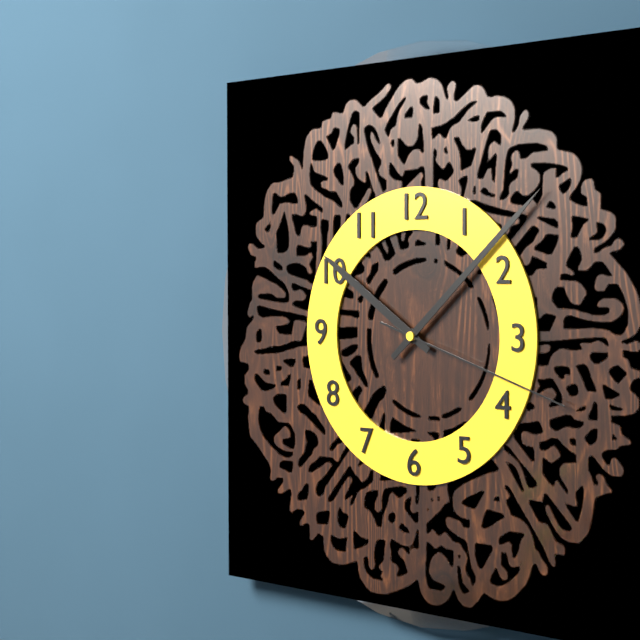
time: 10:08:18
